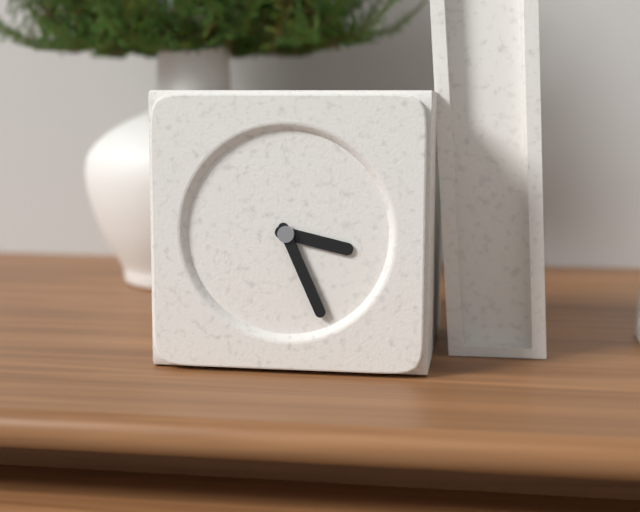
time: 3:26
